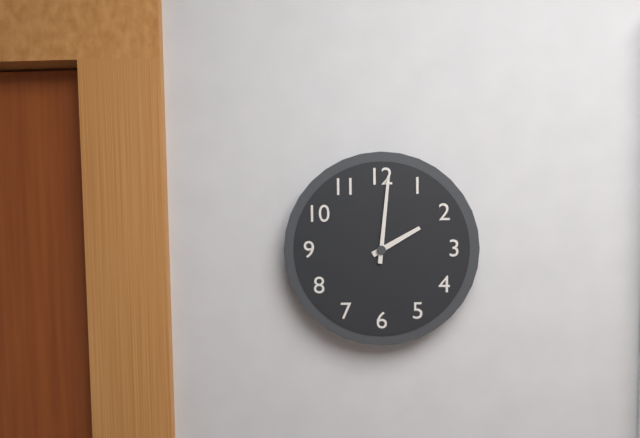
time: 2:01
